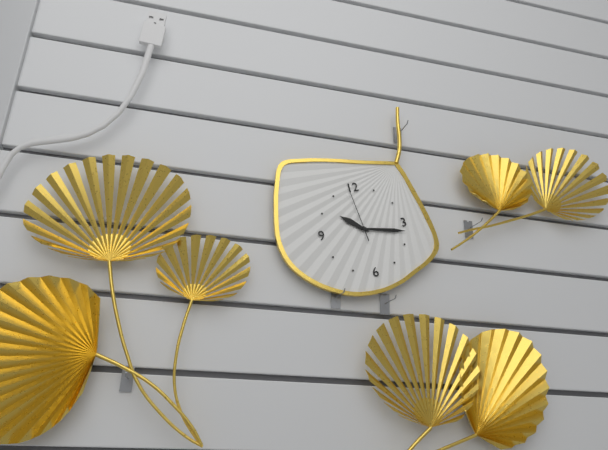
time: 10:17:59
